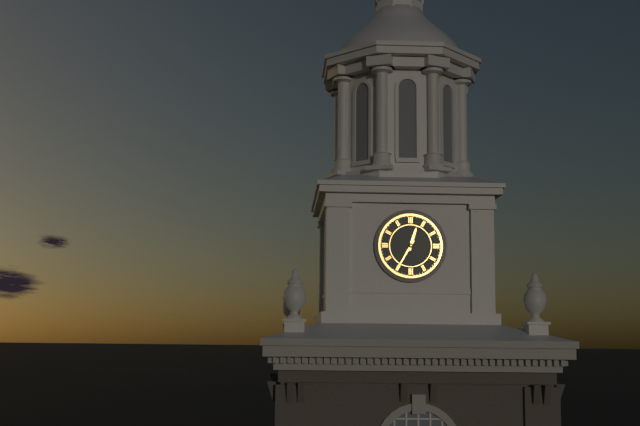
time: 12:35
